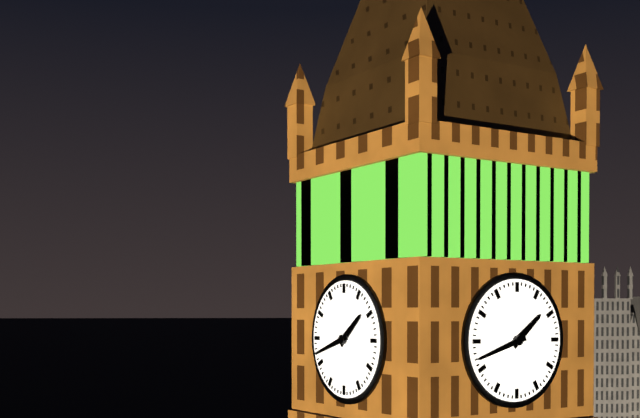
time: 1:42
